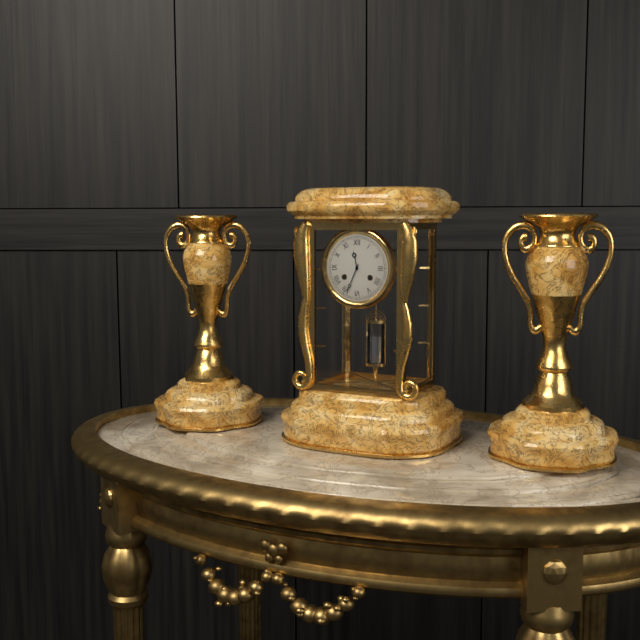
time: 11:34
